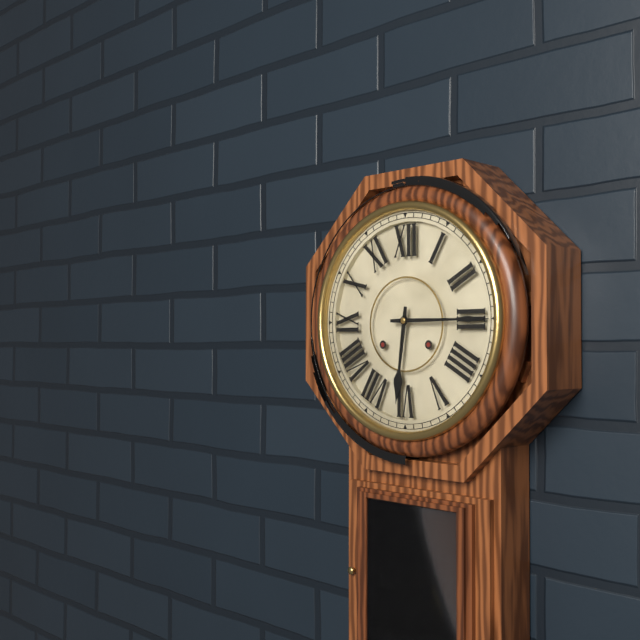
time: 6:15
